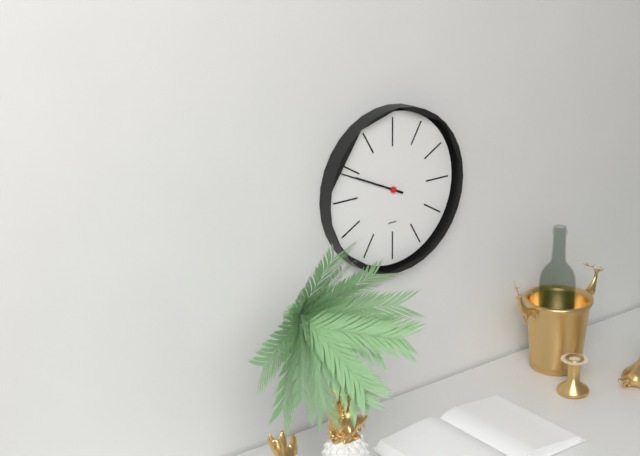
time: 9:49
